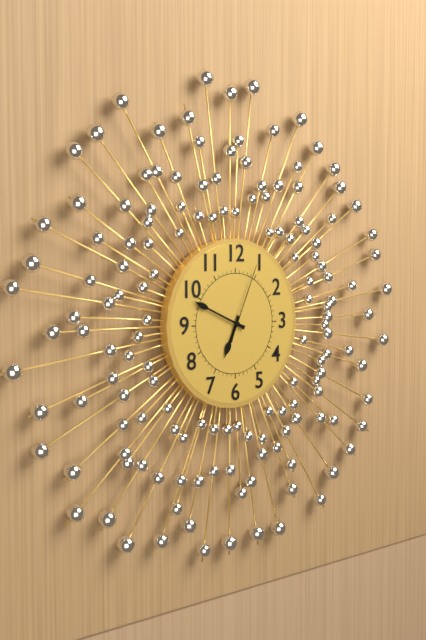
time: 6:49:04
